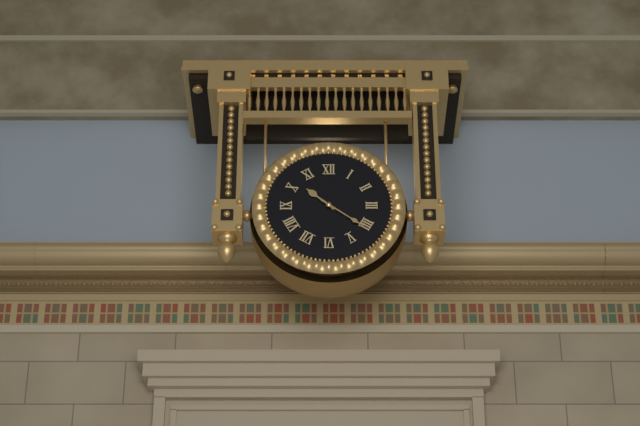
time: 10:21
